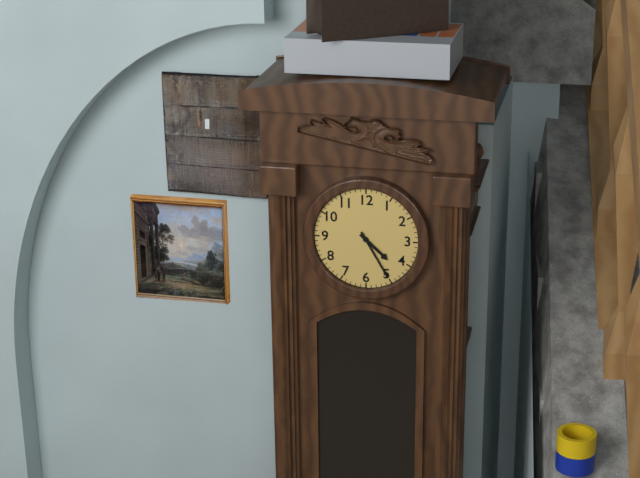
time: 4:25
